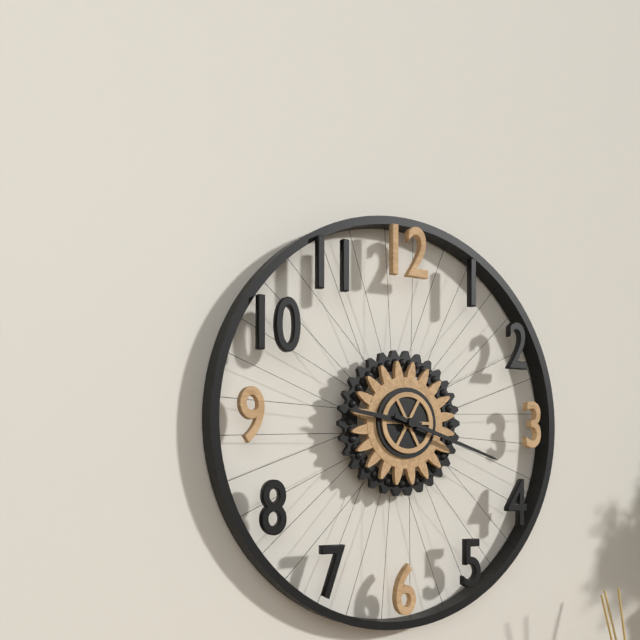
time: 9:18
